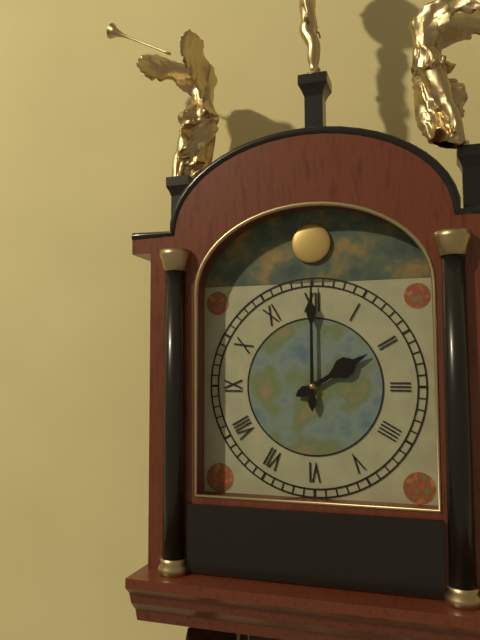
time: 2:00
